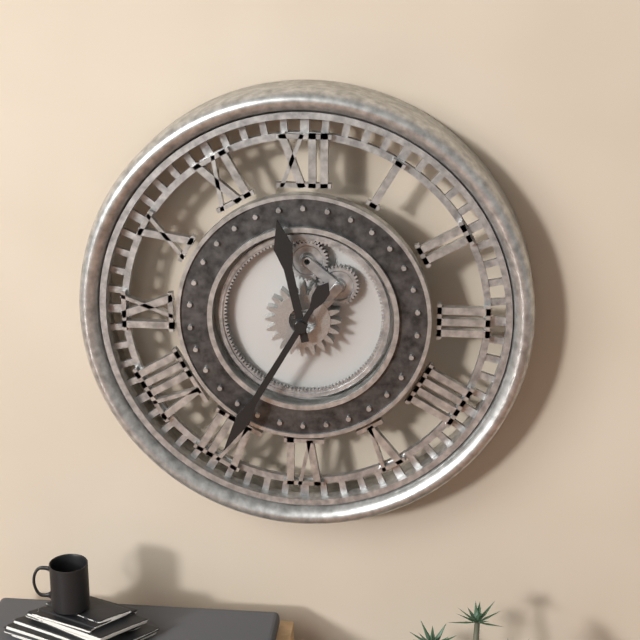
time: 11:35
